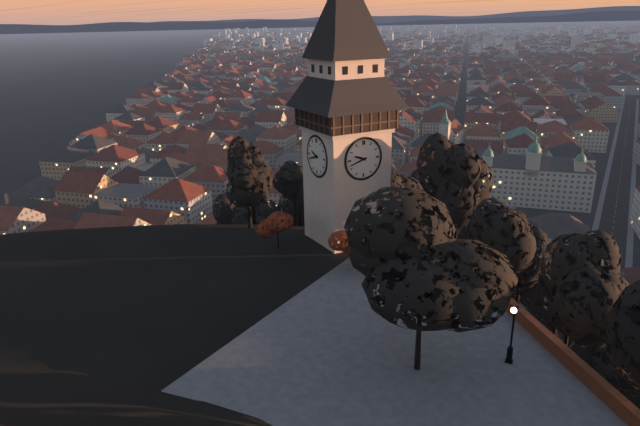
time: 9:42
